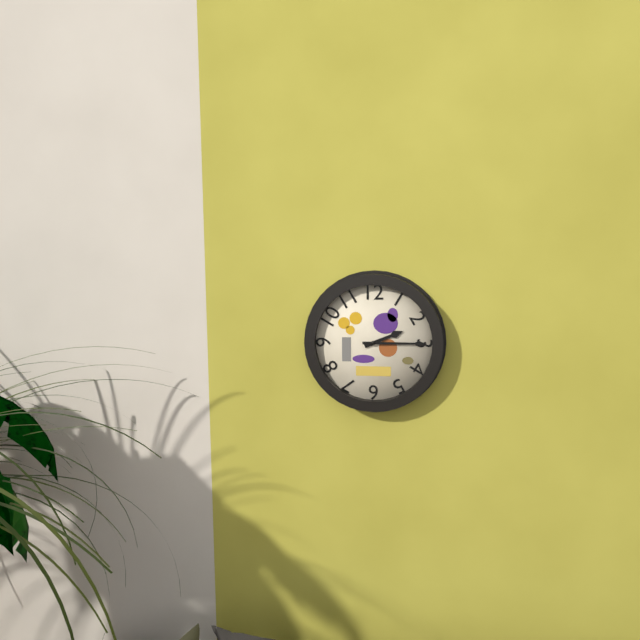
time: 2:15
